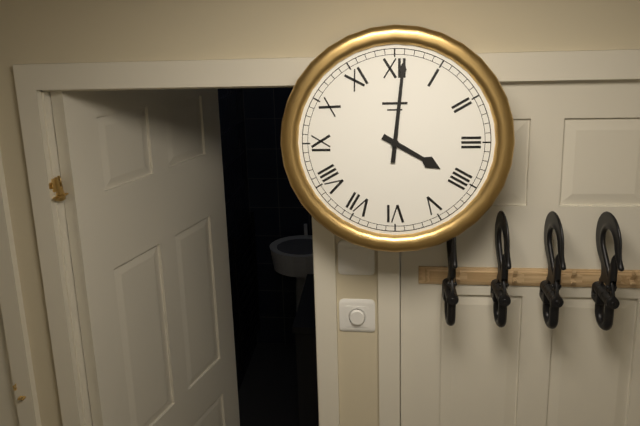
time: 4:01
